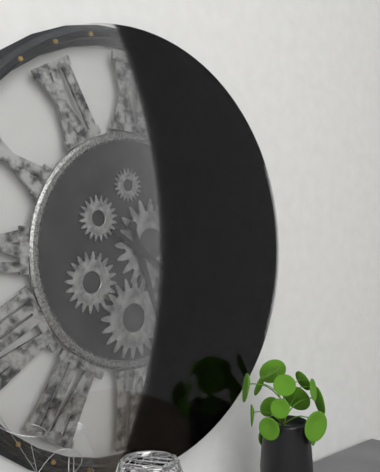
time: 5:20
